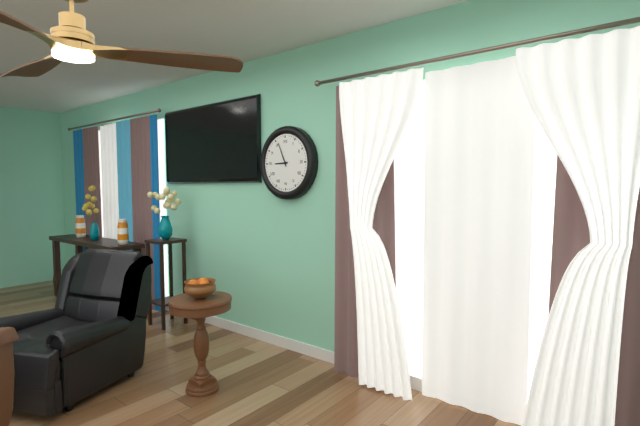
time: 8:56
